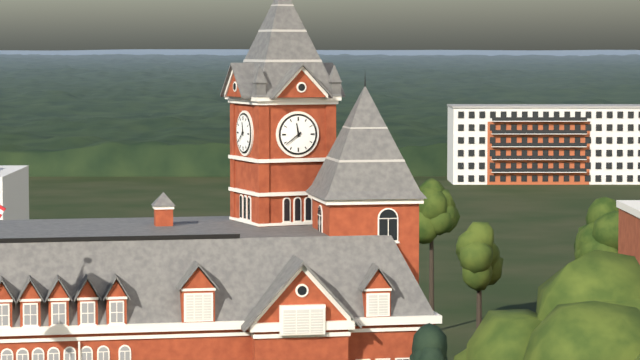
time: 11:39
